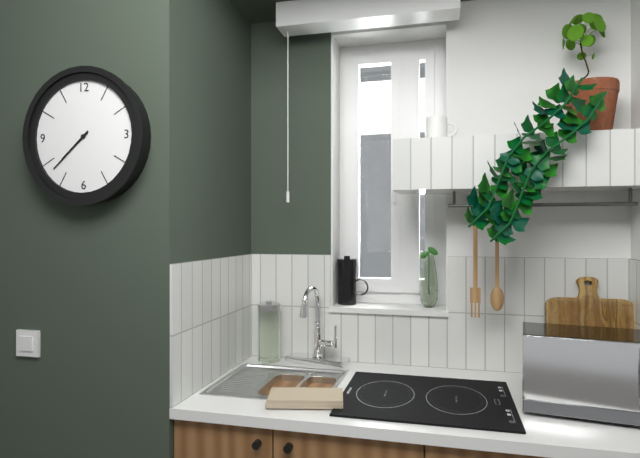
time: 7:38
